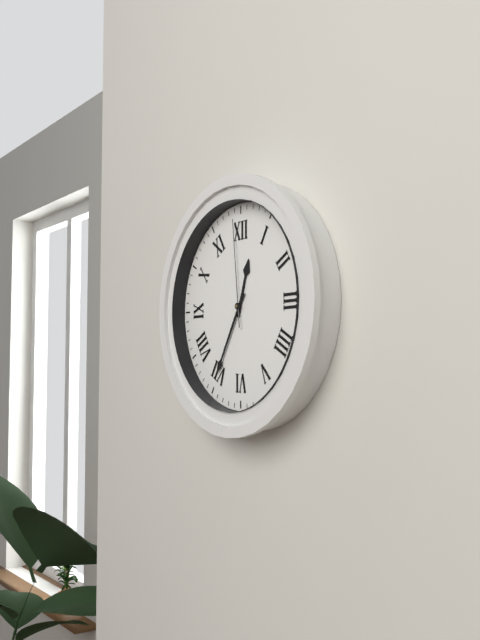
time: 12:35:59
